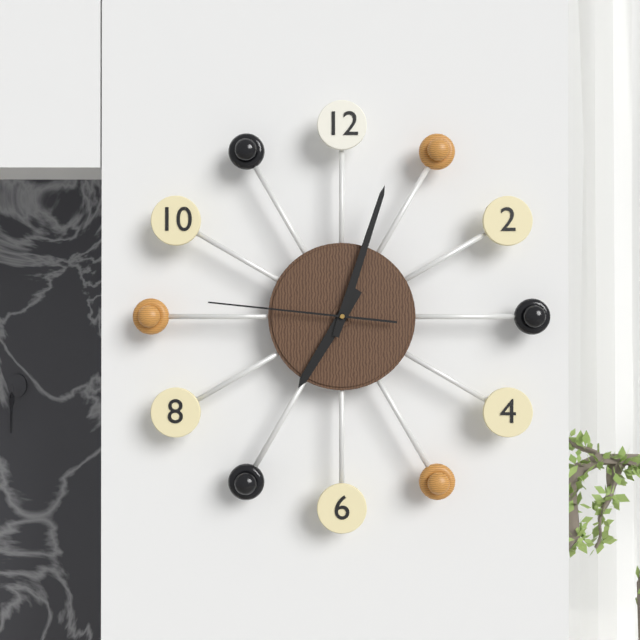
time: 7:03:46
